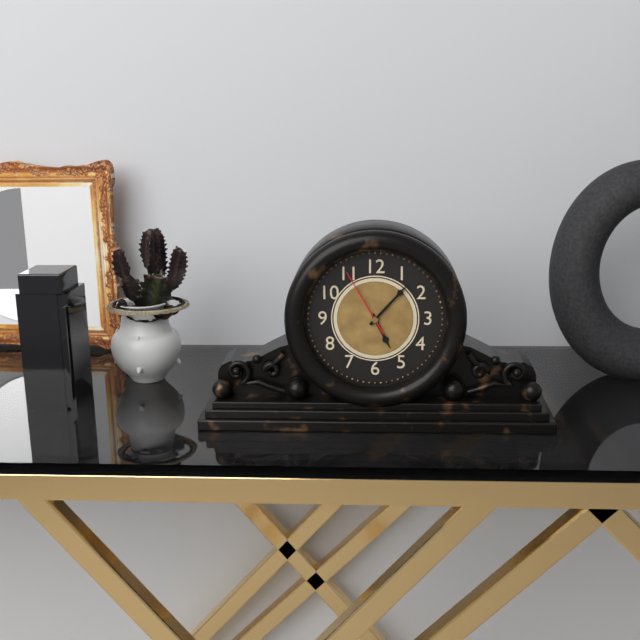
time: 5:07:55
